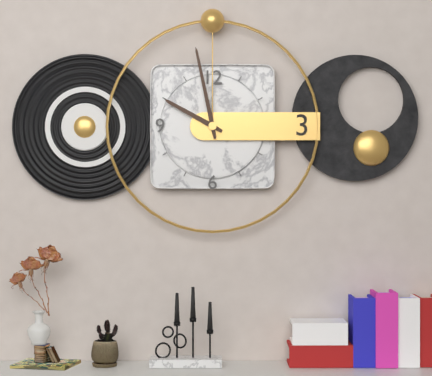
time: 9:58
